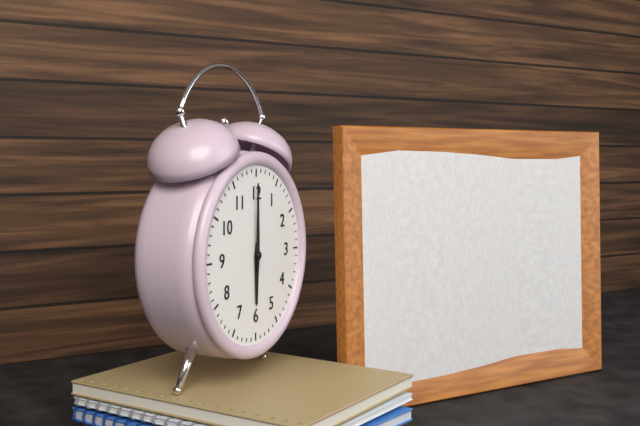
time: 6:00
